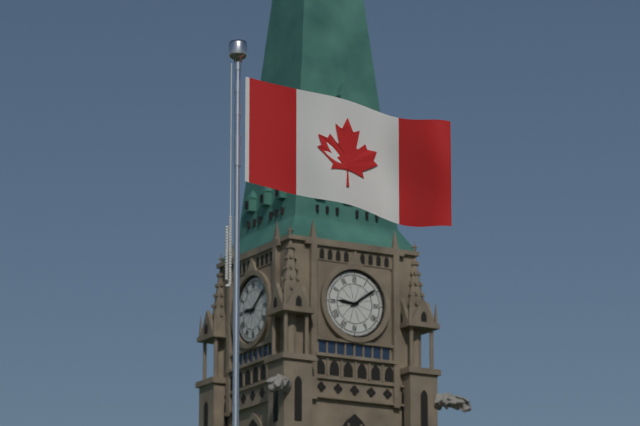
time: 9:09
